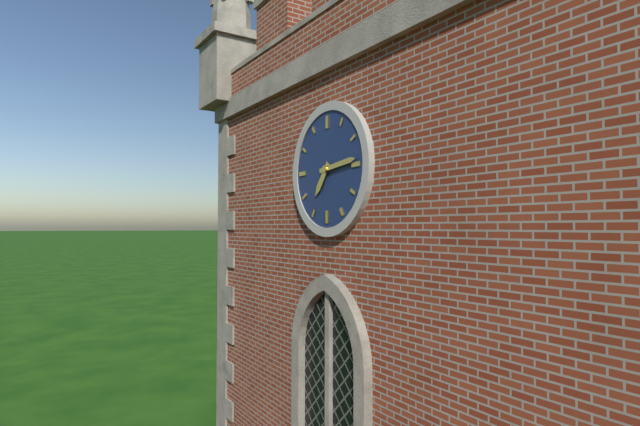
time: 7:14
